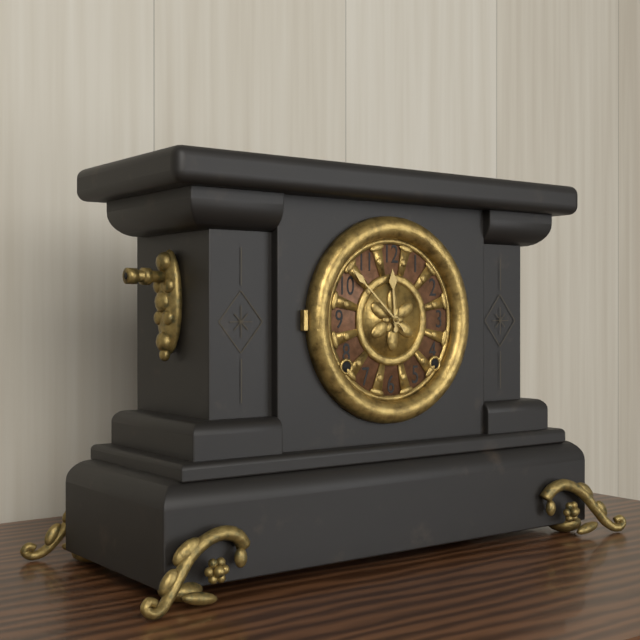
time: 11:52
